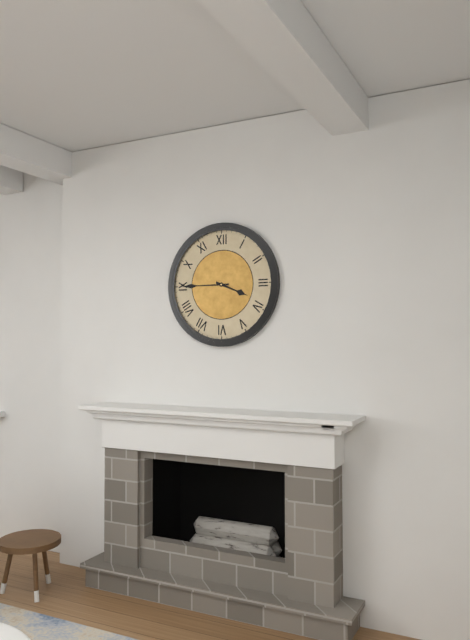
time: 3:45
